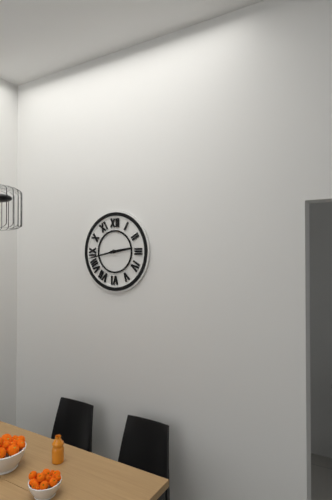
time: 2:43
